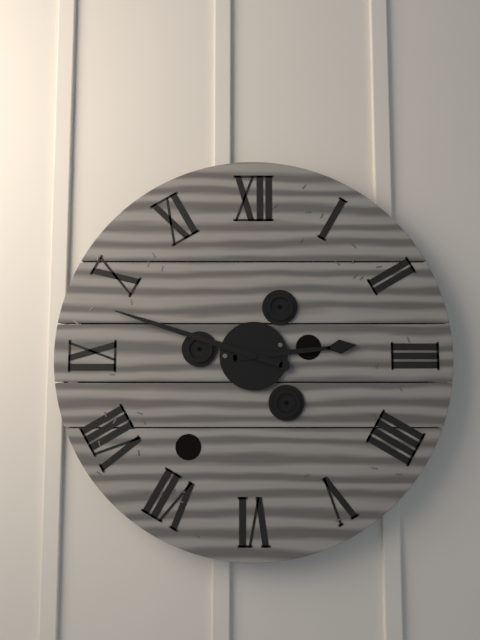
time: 2:48
